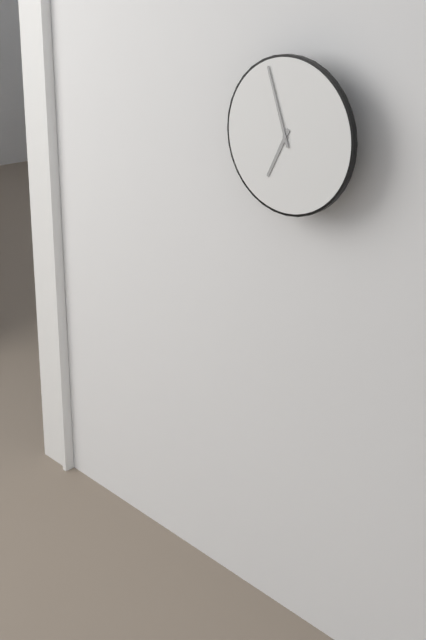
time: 6:57
